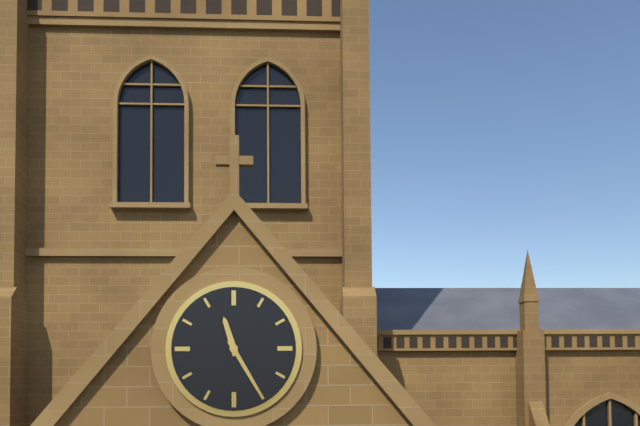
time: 11:25
